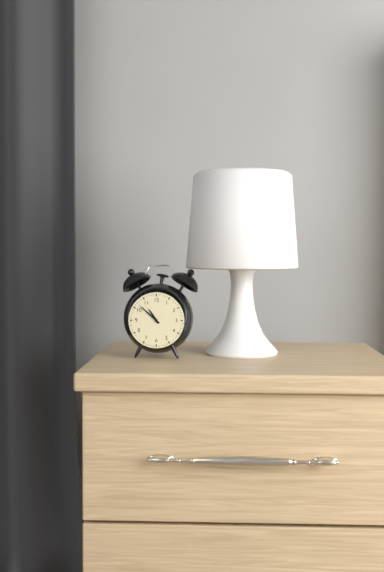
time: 10:52
